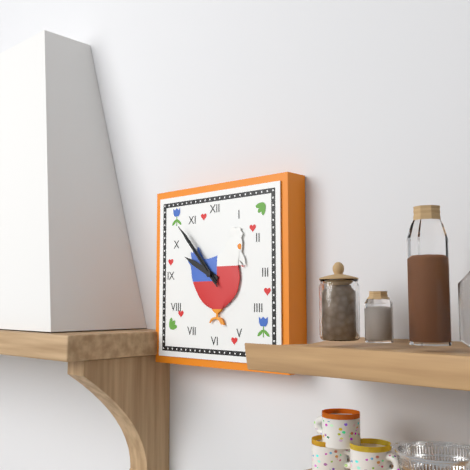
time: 9:53:53
